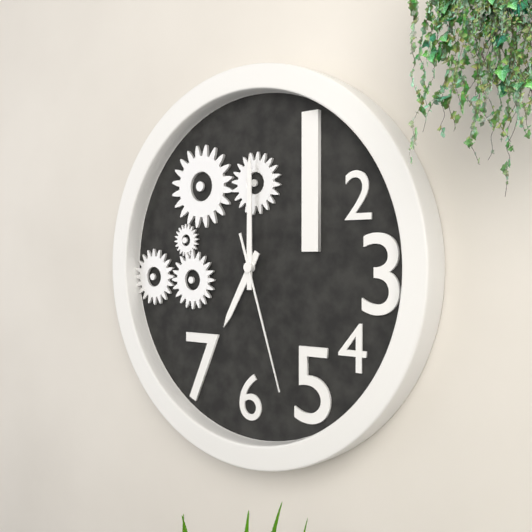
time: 7:00:27
